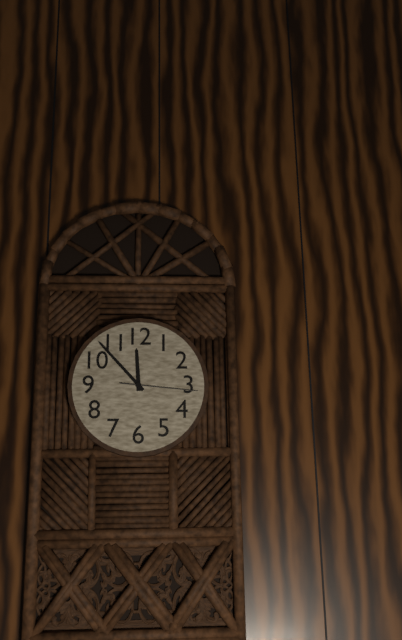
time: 11:53:16
